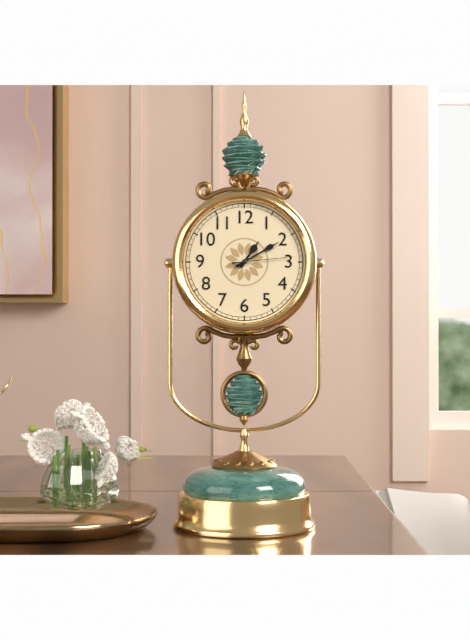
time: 1:10:14
